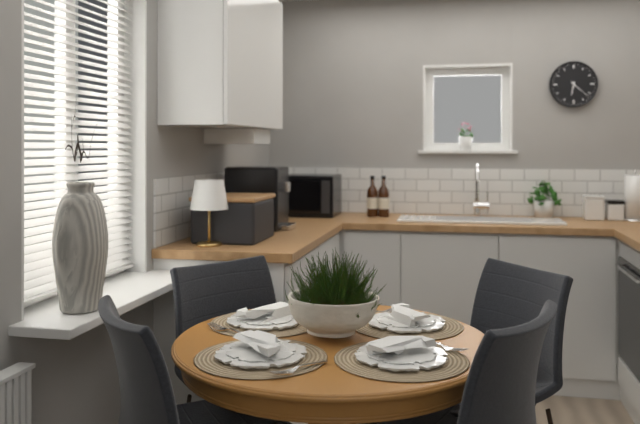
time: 6:22
